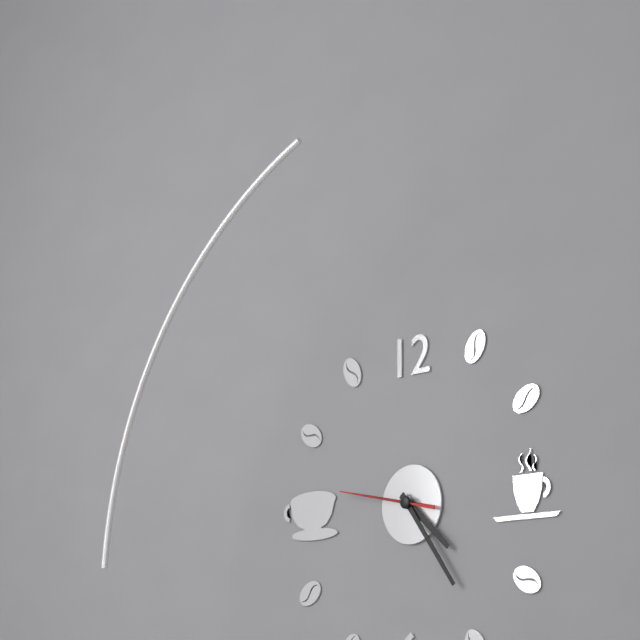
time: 4:24:47
